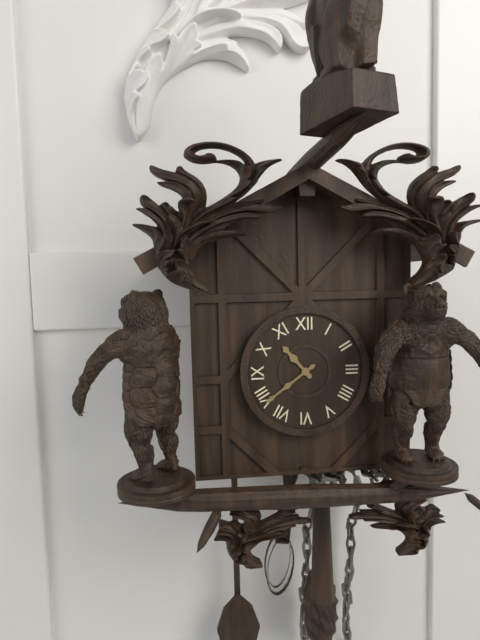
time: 10:39
